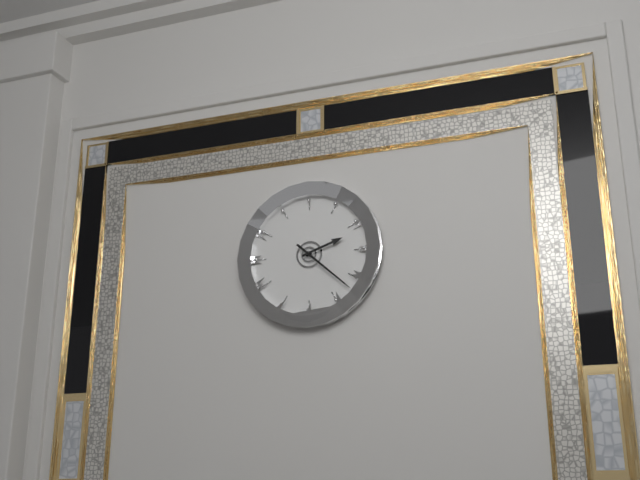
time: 2:22
